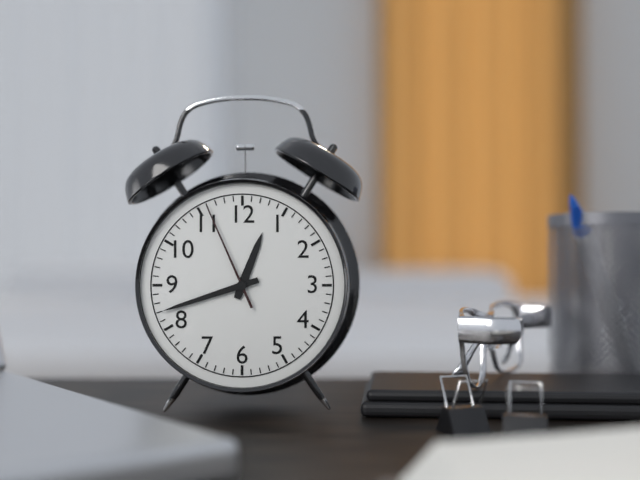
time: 12:42:56
